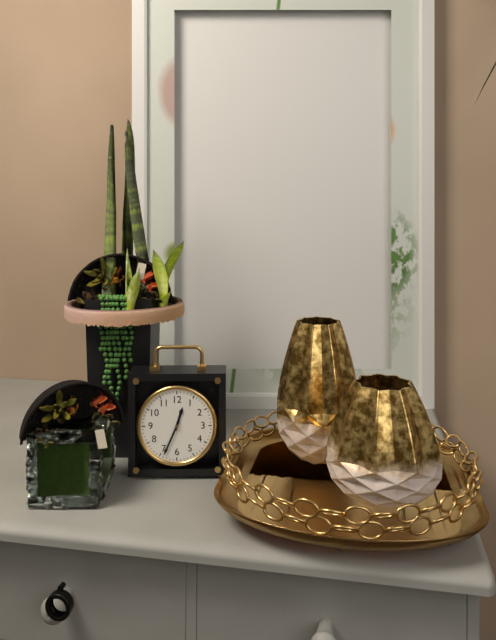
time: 12:34
